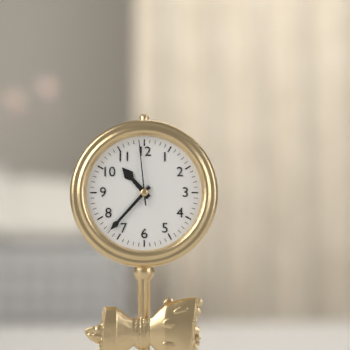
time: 10:37:59
